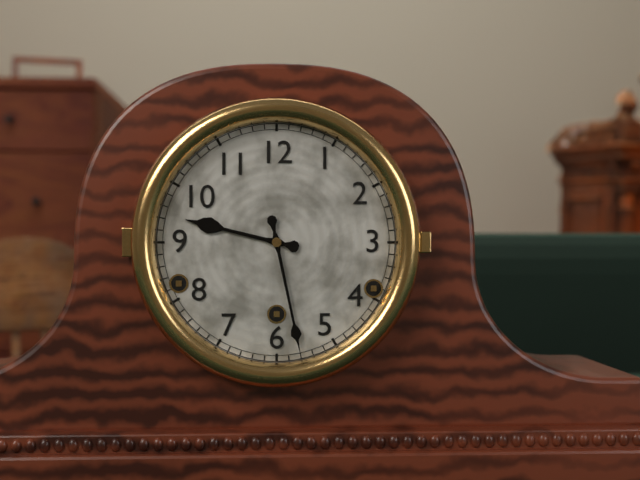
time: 9:28
